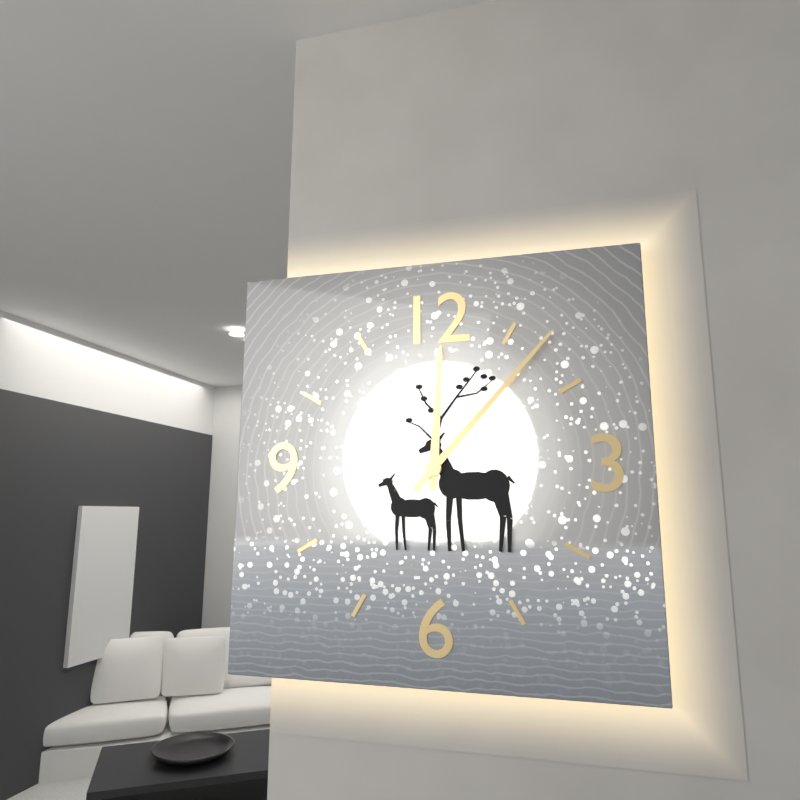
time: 12:07
